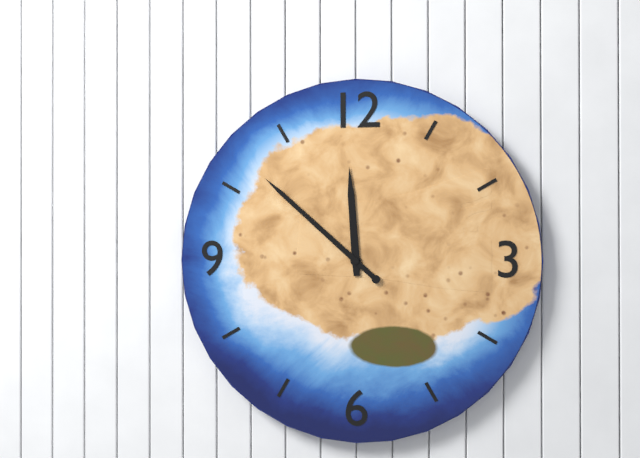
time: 11:52
